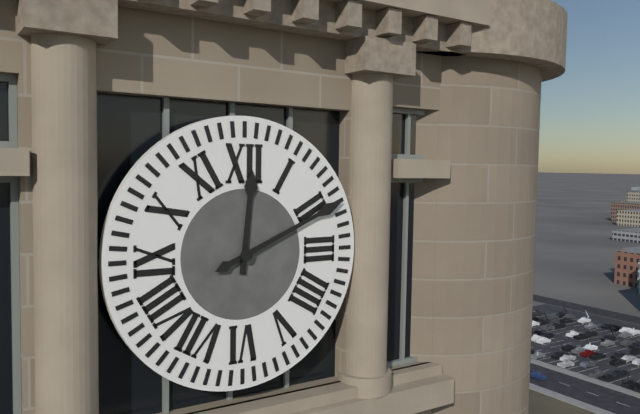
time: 12:11
